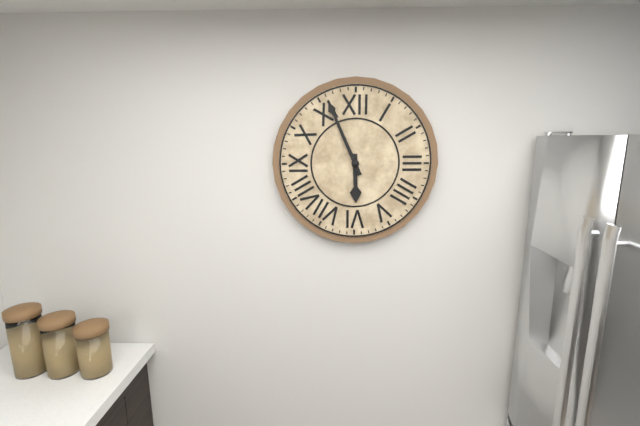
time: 5:56
